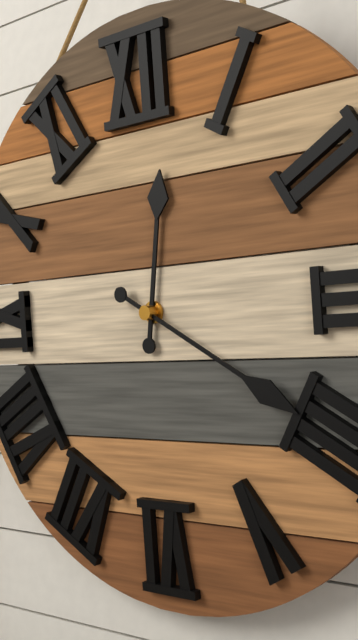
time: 12:20
